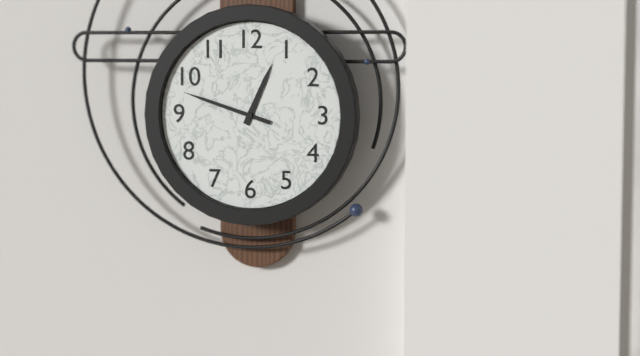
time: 12:48
